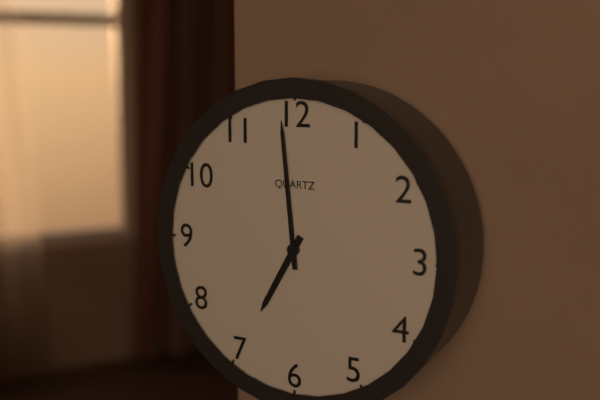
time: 6:59
